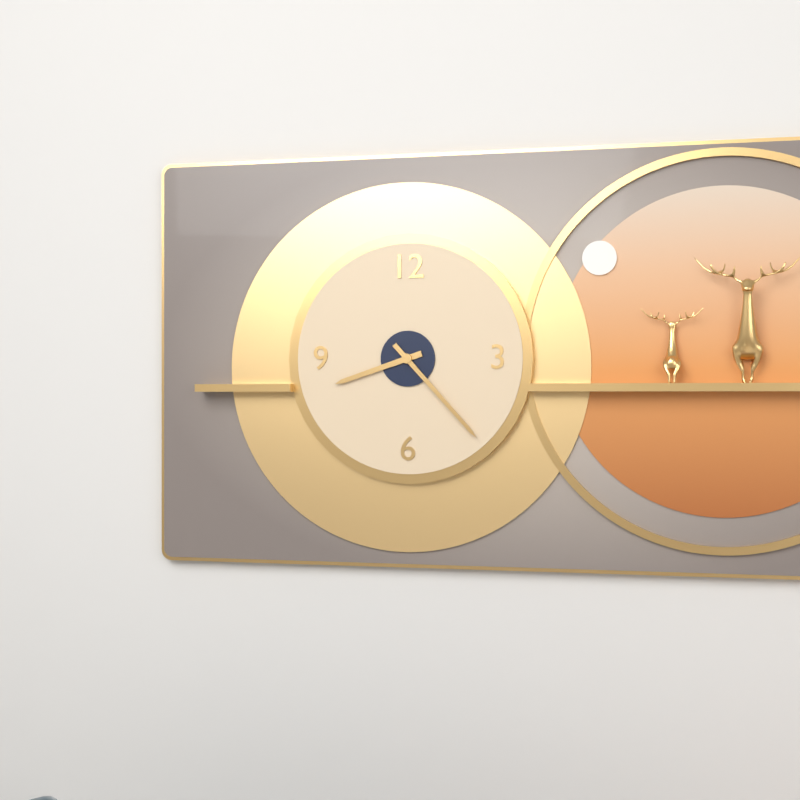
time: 8:23
